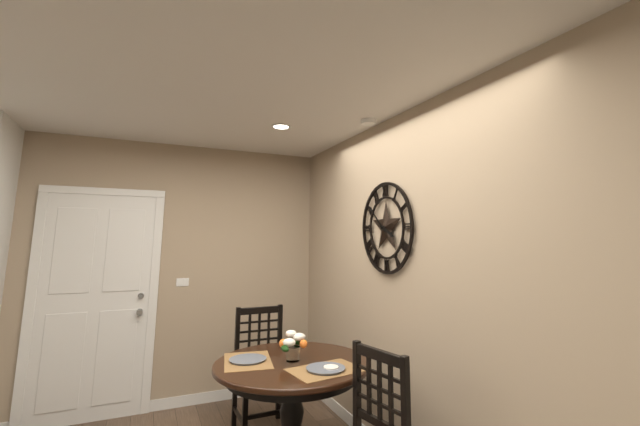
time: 3:52
